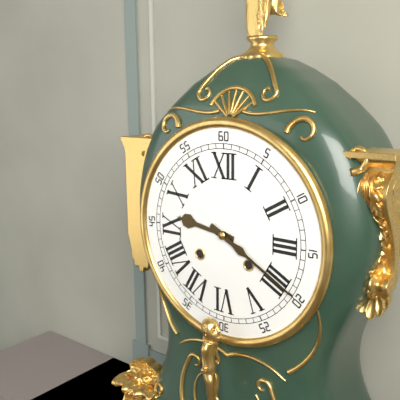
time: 9:20
